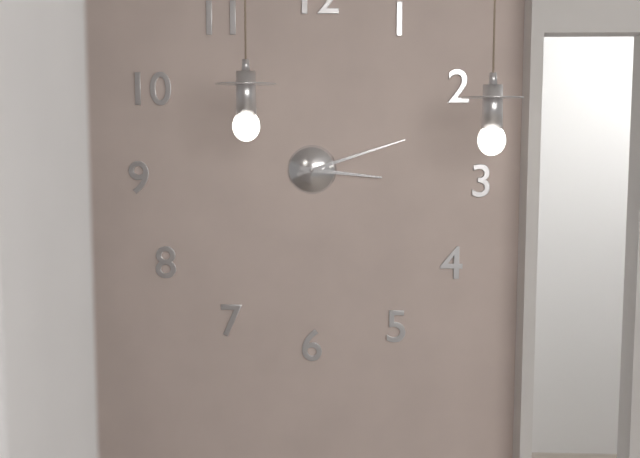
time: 3:12
